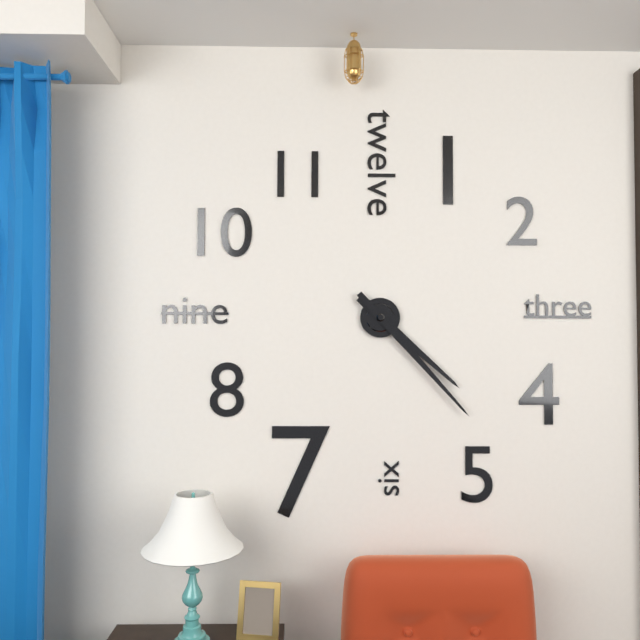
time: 4:23
